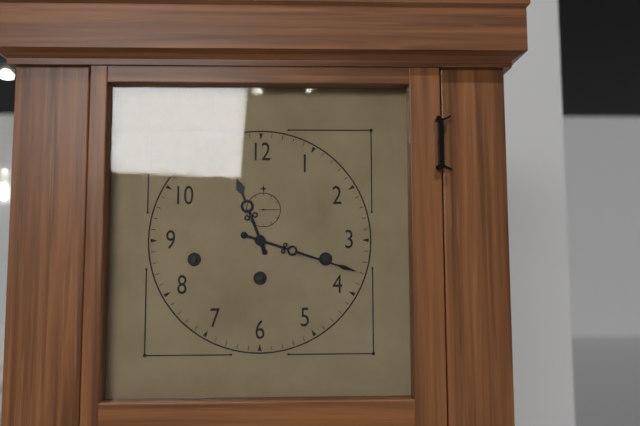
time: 11:18
